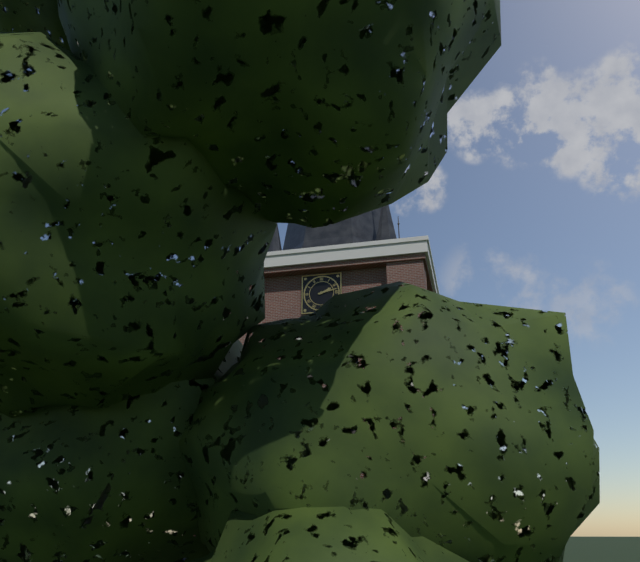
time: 2:13
